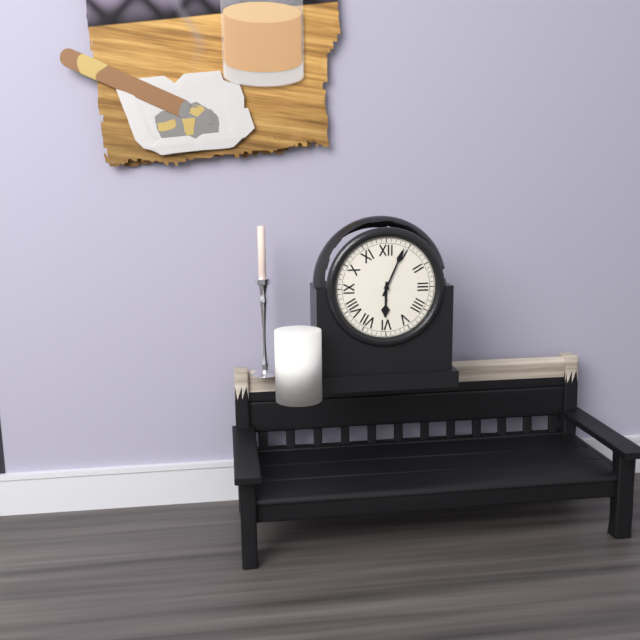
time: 6:04
